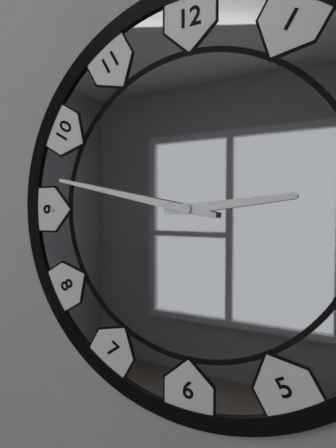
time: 2:47
